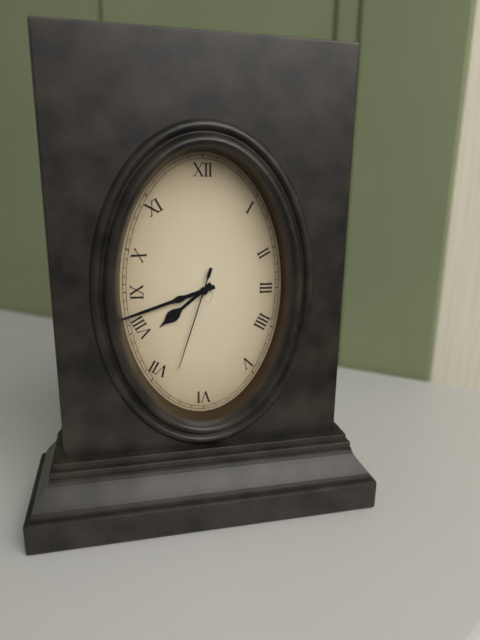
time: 7:42:33
